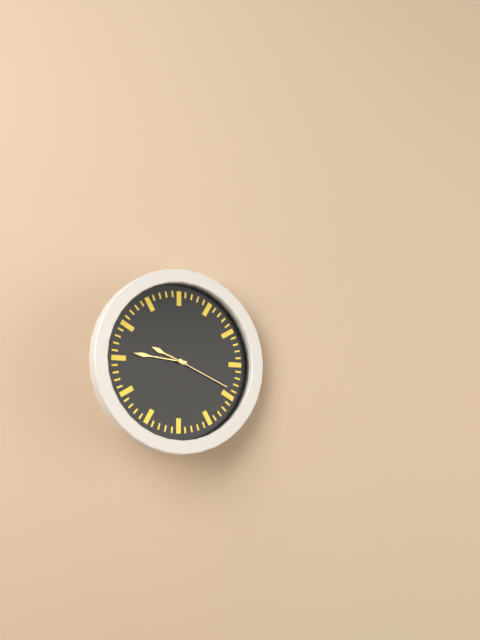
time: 9:46:19
